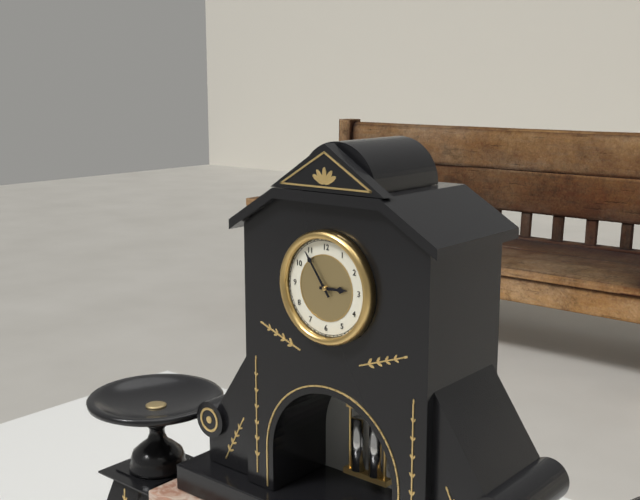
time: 2:54
